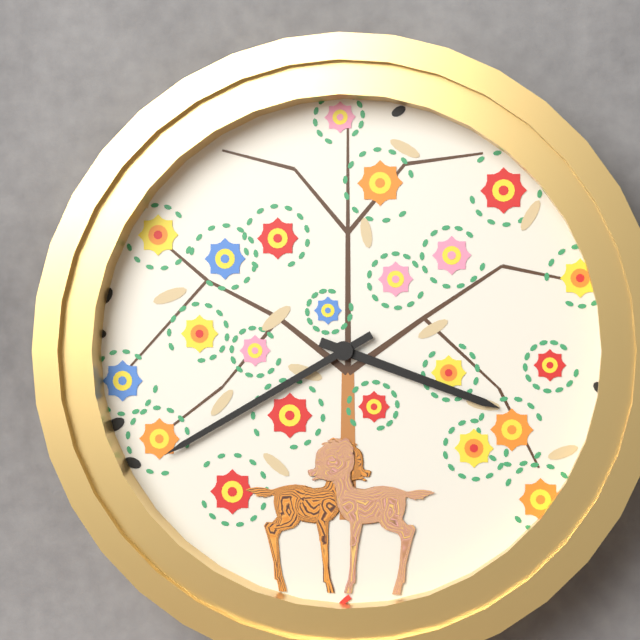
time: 3:40
